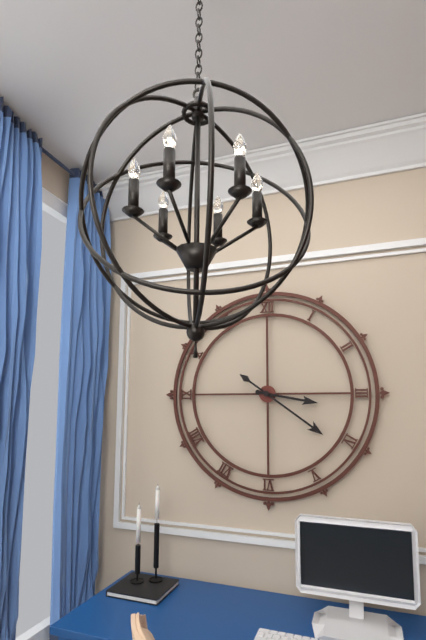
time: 3:21
